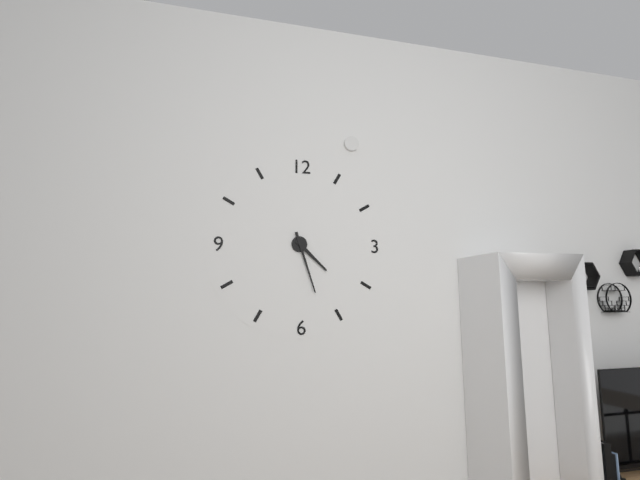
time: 4:27
